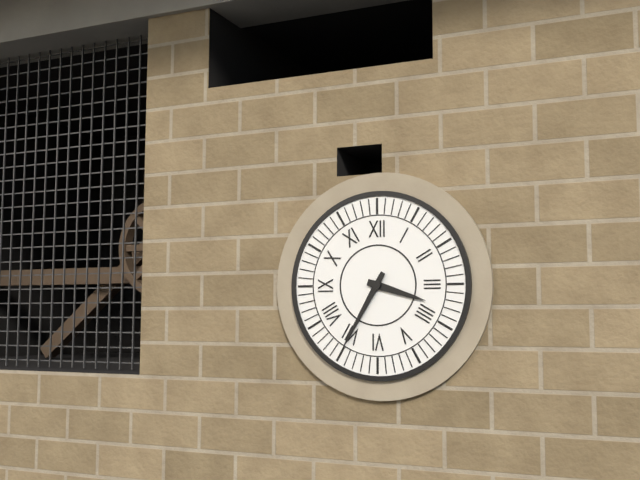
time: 3:35
